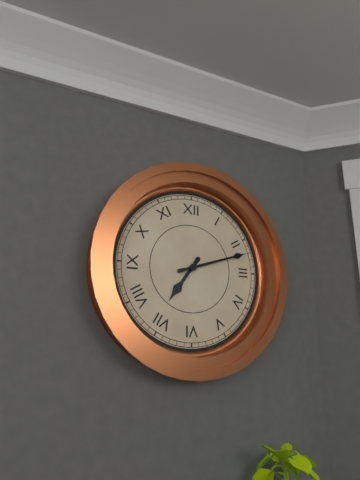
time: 7:12
